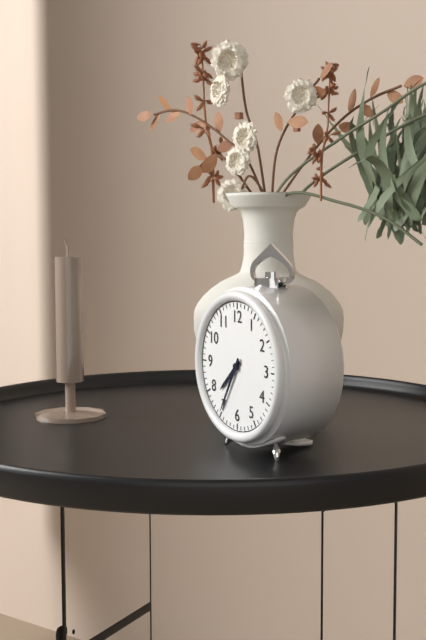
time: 7:35
